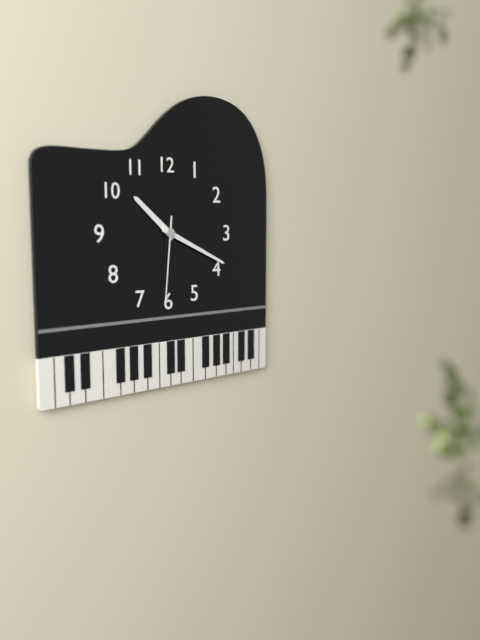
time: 10:19:31
